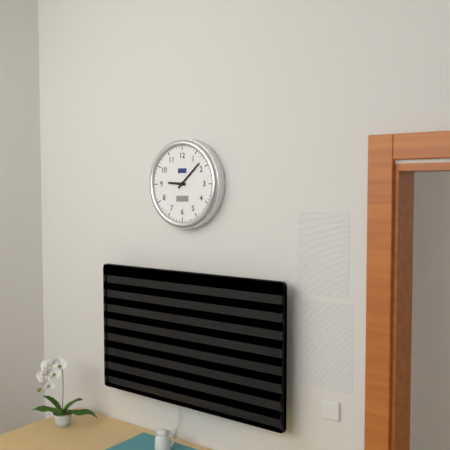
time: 9:08
